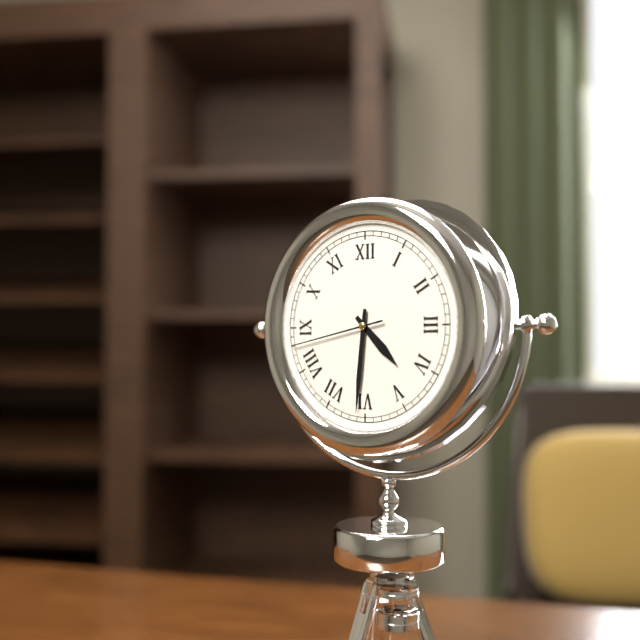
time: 4:31:43
